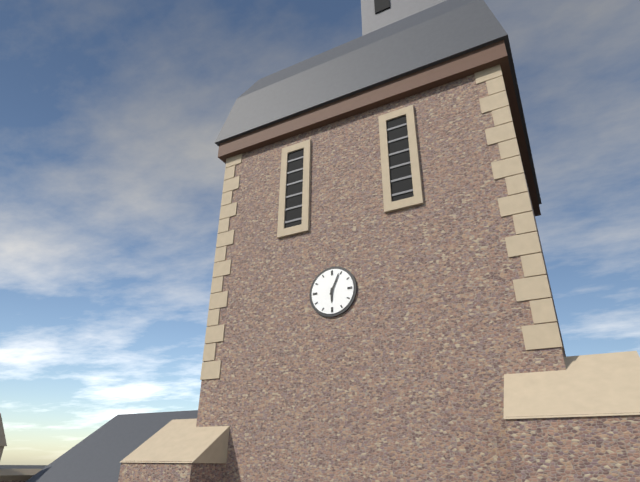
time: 6:04
